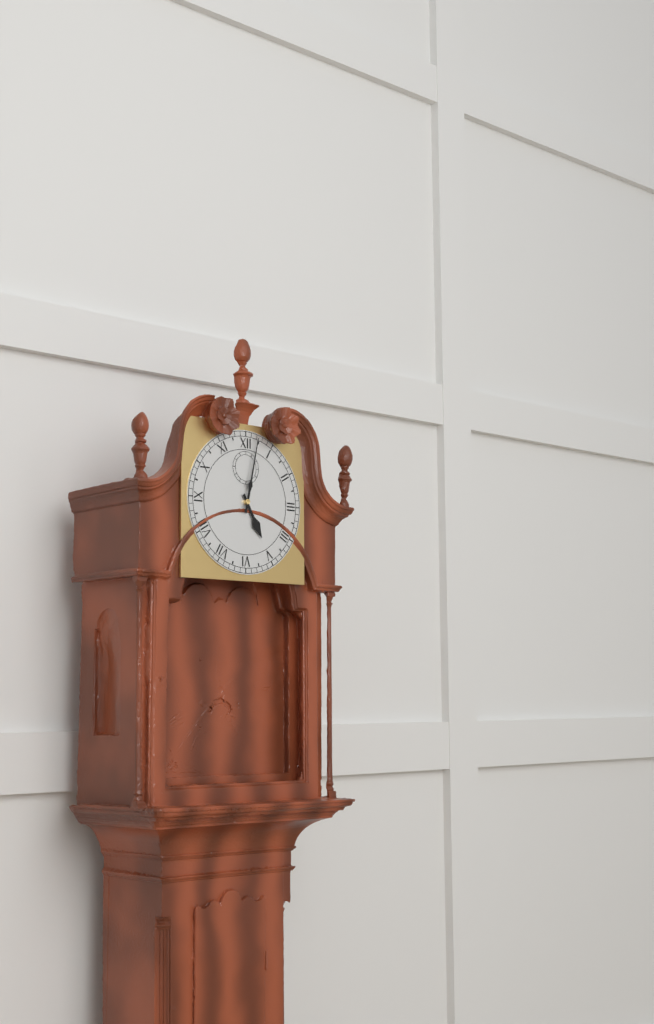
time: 5:02
